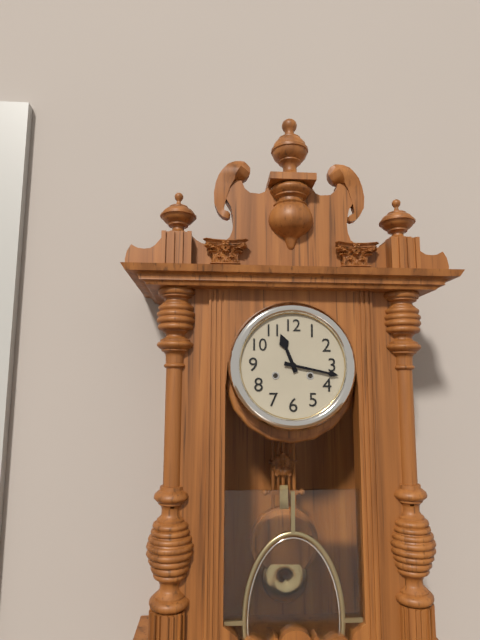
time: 11:17
